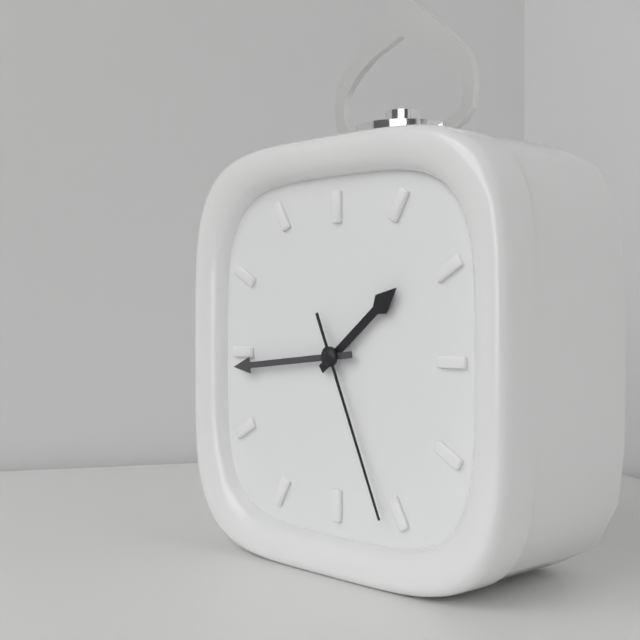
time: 1:44:26
